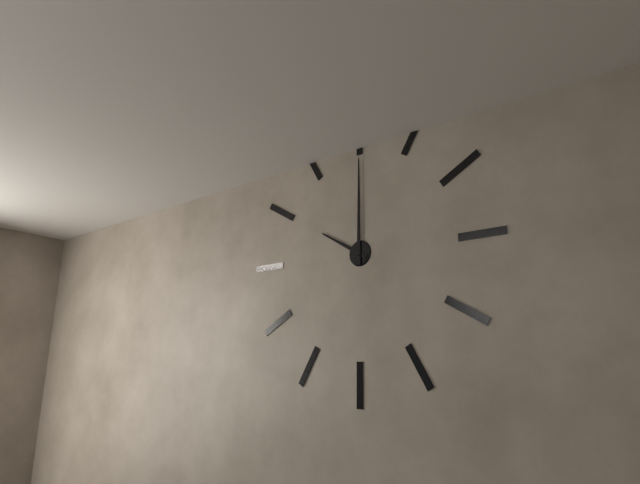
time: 10:00
